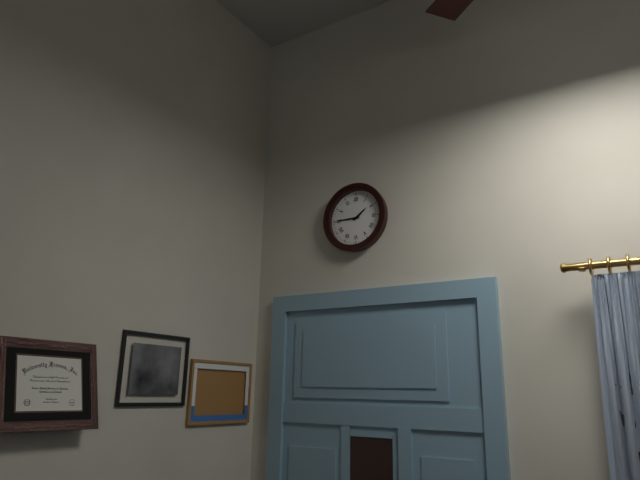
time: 1:45
